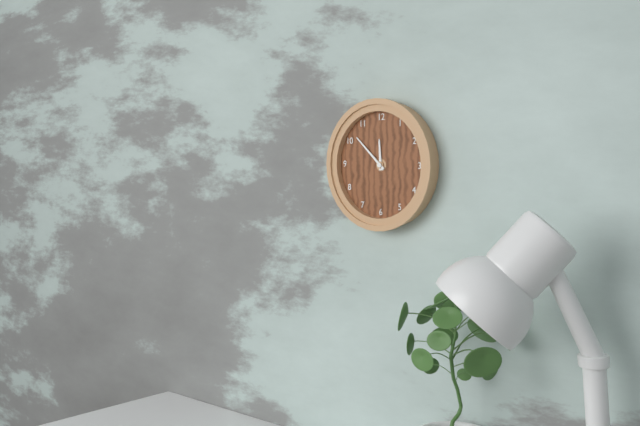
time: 11:52
